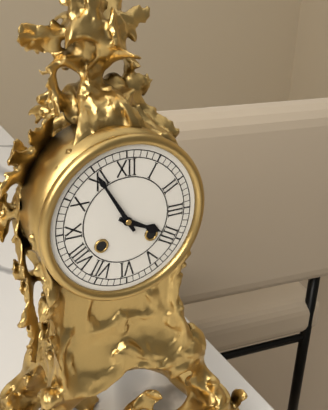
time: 3:55
